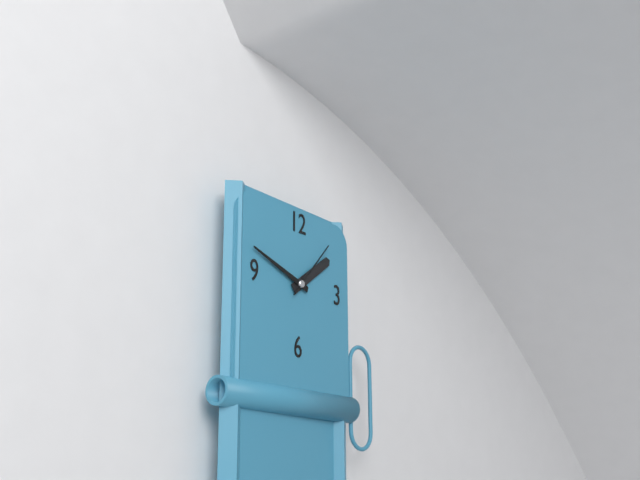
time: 1:48:07
